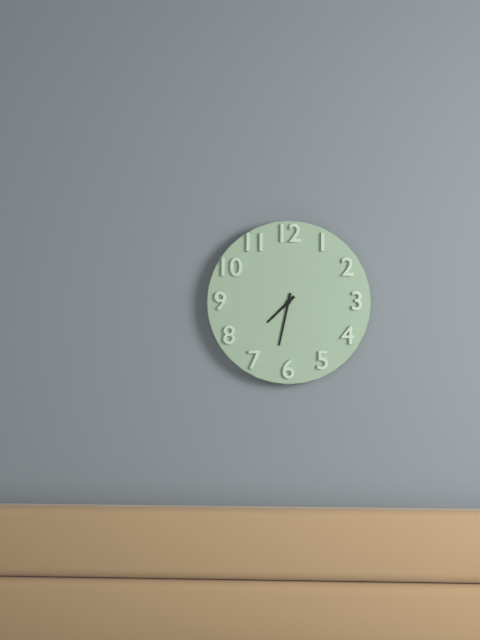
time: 7:32
